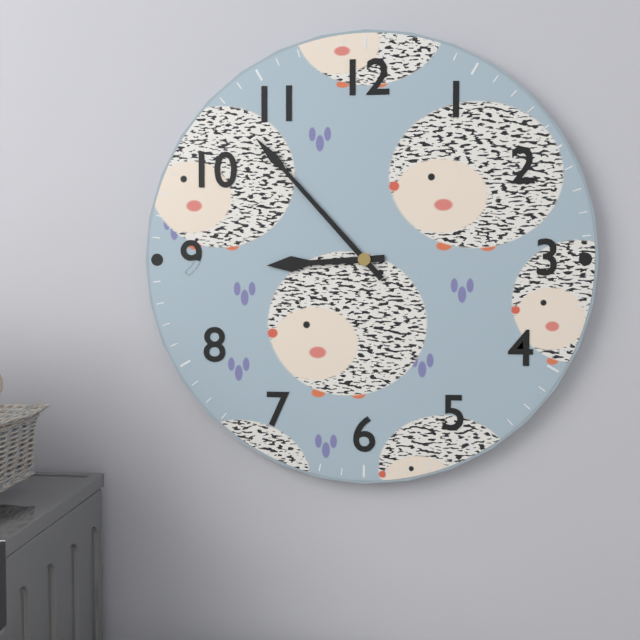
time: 8:53
